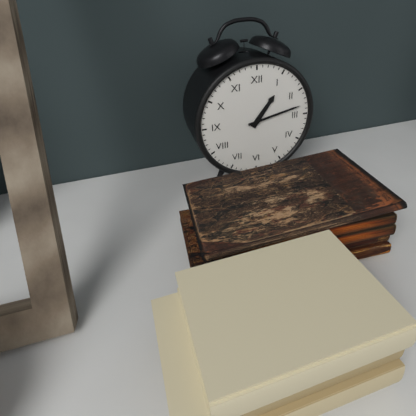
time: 1:13
